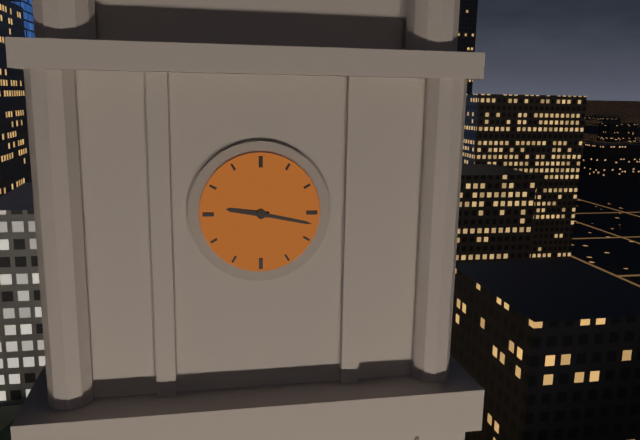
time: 9:17
